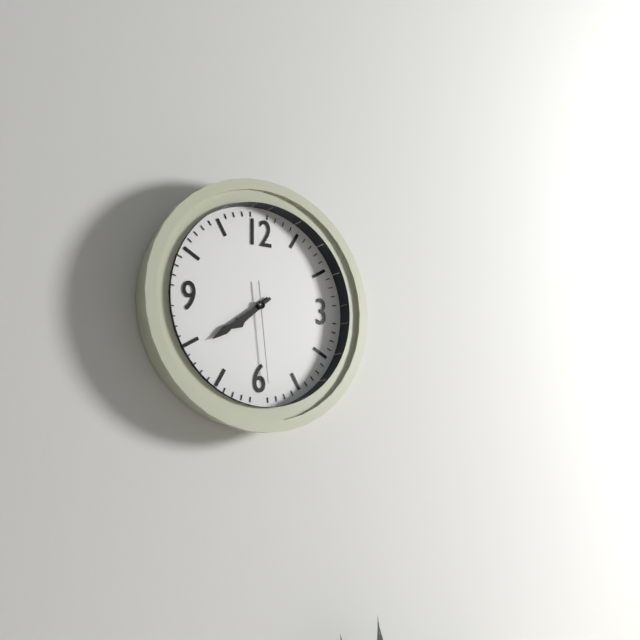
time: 7:39:29
